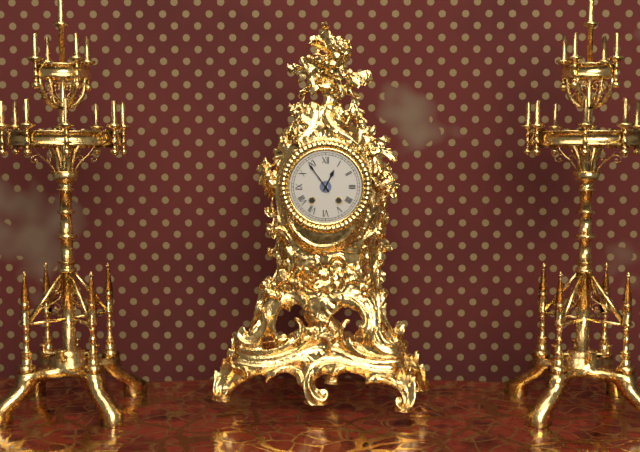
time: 12:54
